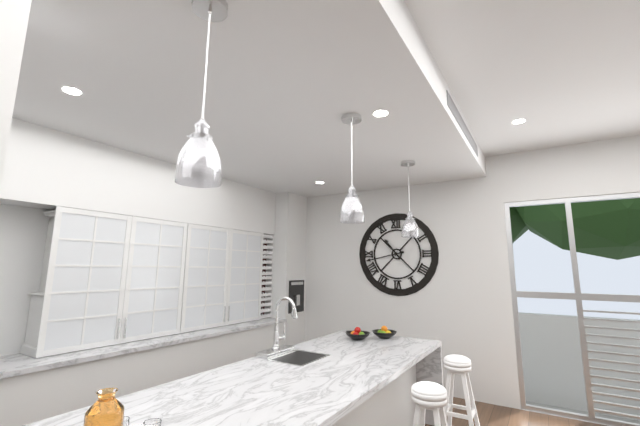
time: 10:43
